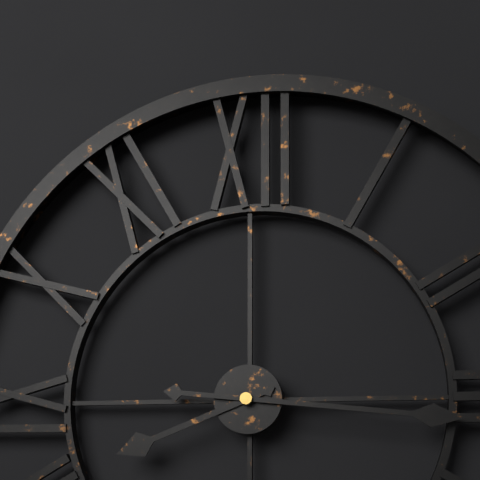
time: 8:16
